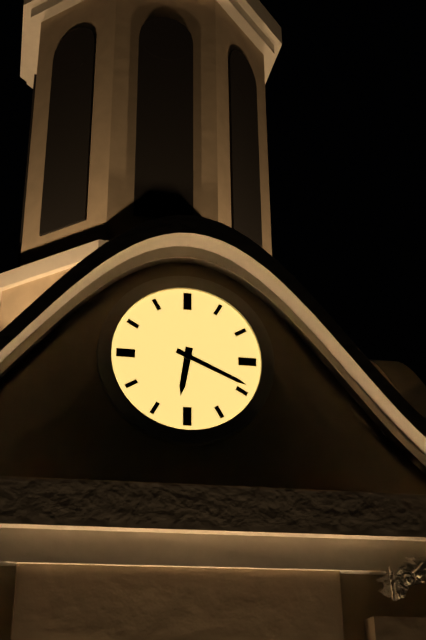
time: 6:19
